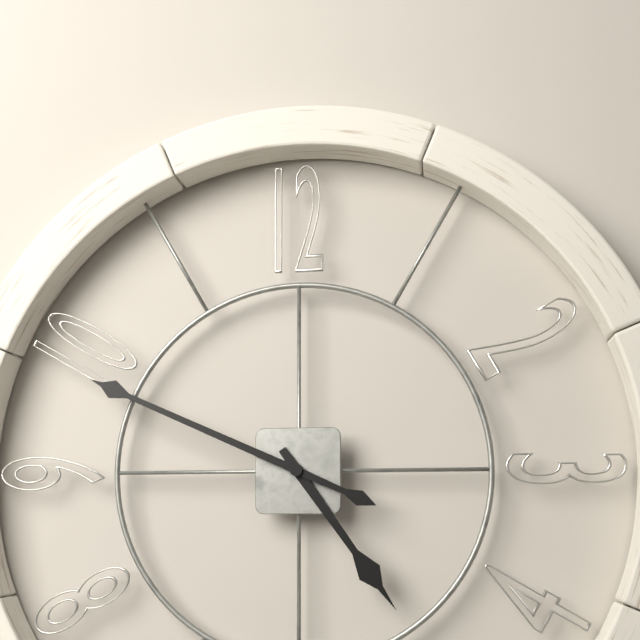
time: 4:49
